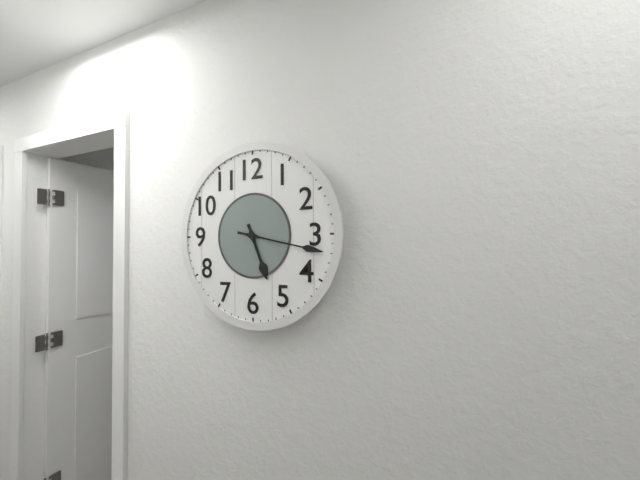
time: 5:17
